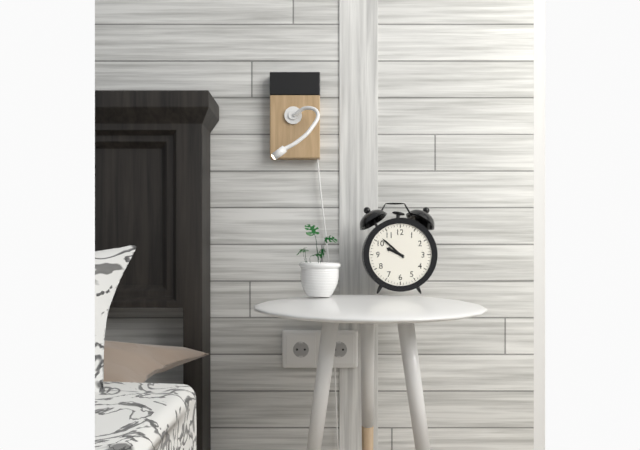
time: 9:52
